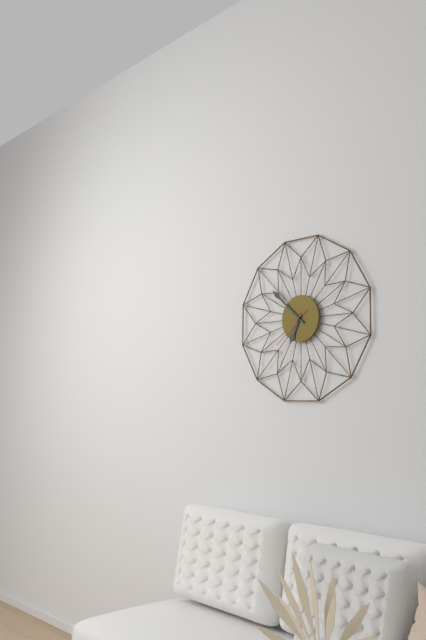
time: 6:52
